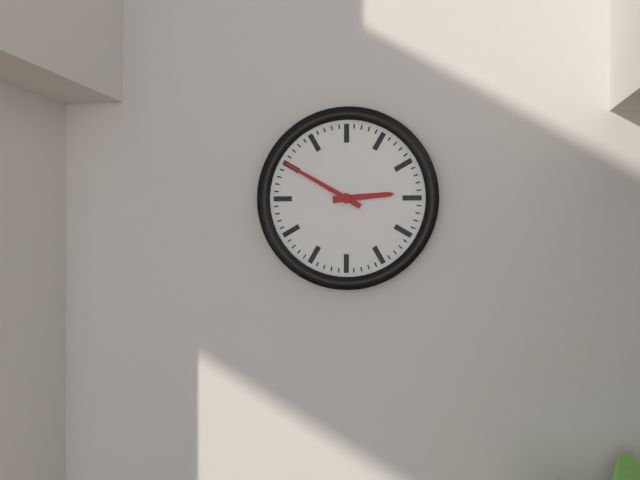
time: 2:50
